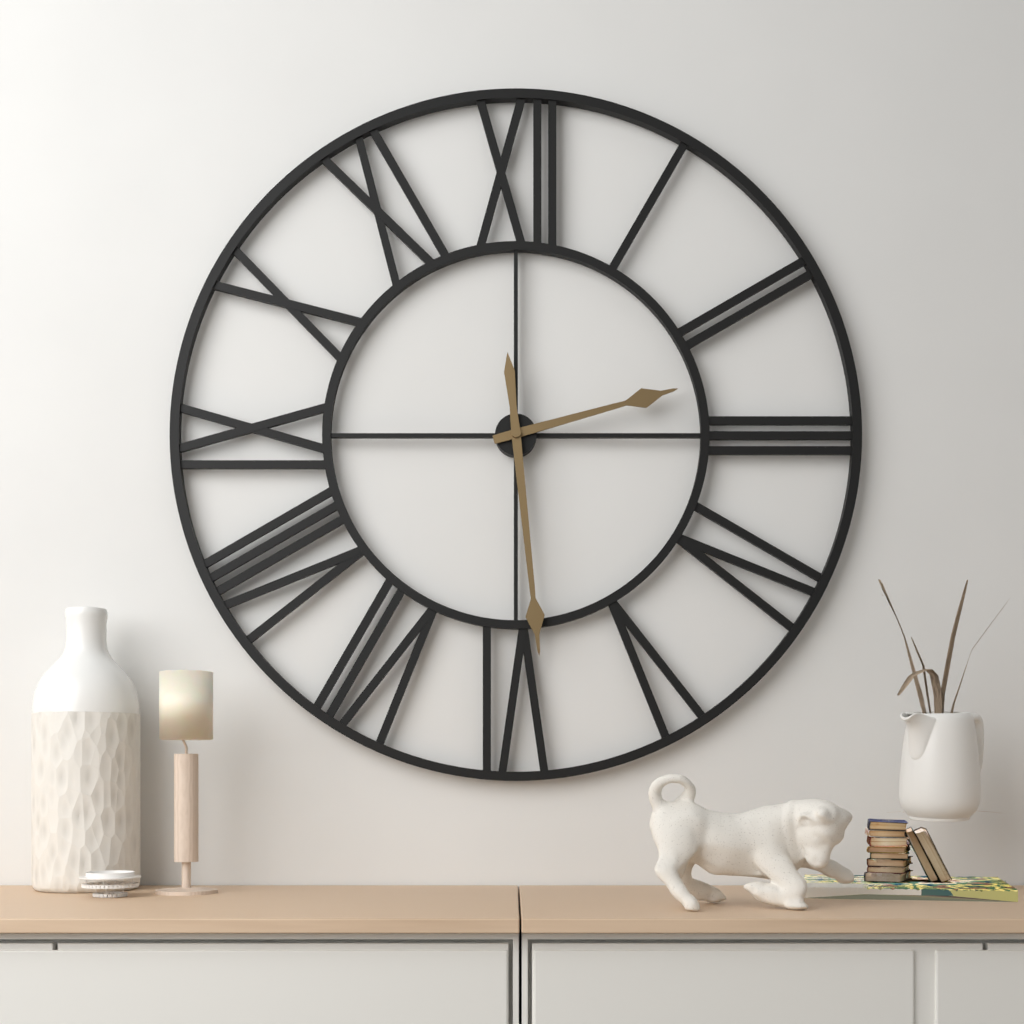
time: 2:29
